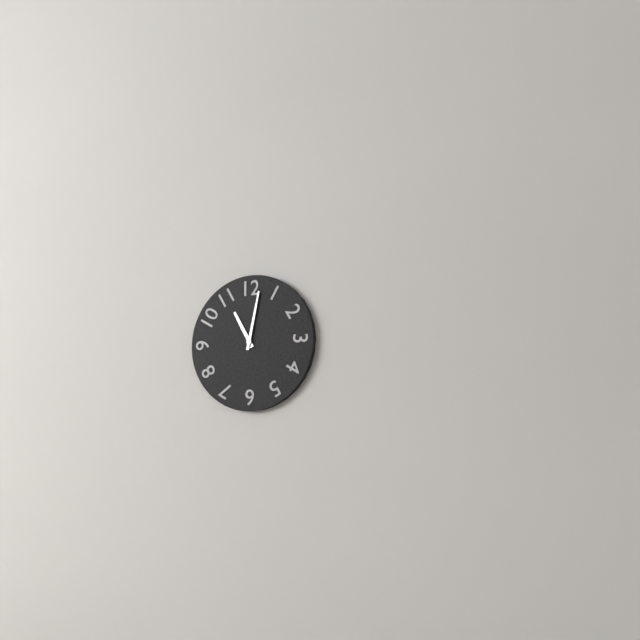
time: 11:02
